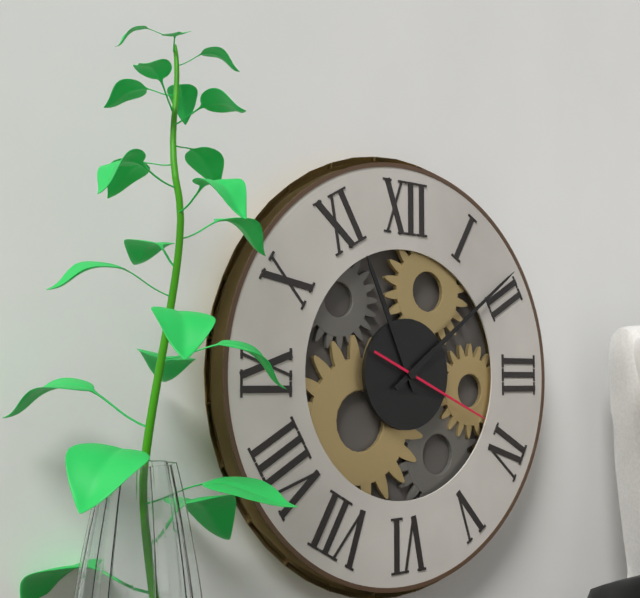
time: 11:09:19
